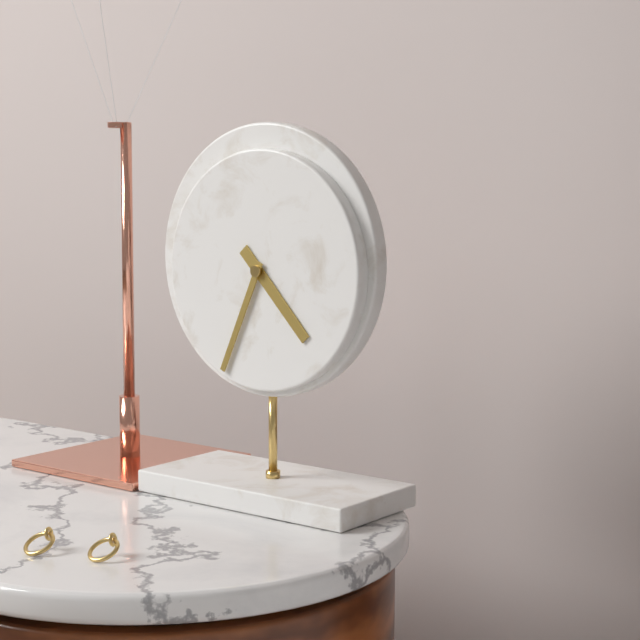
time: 4:34
